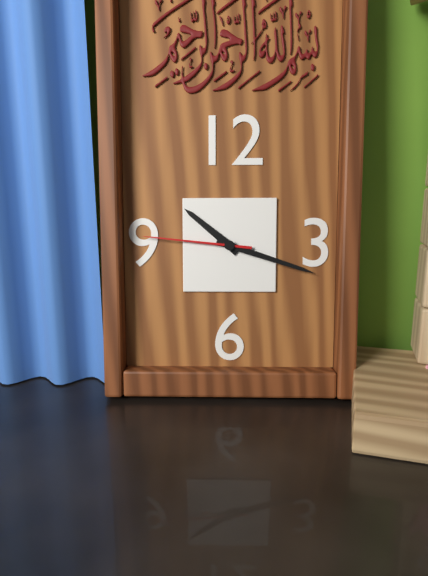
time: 10:18:46
